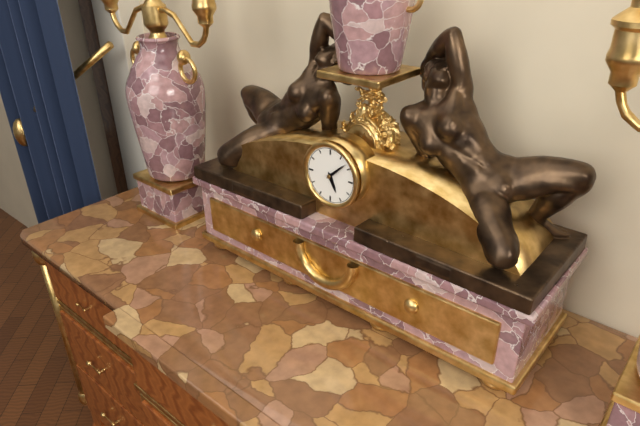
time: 5:08
